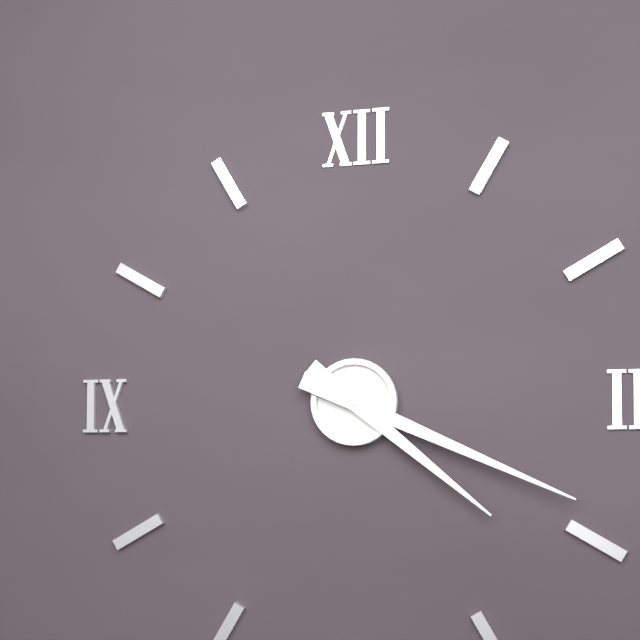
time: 4:19
